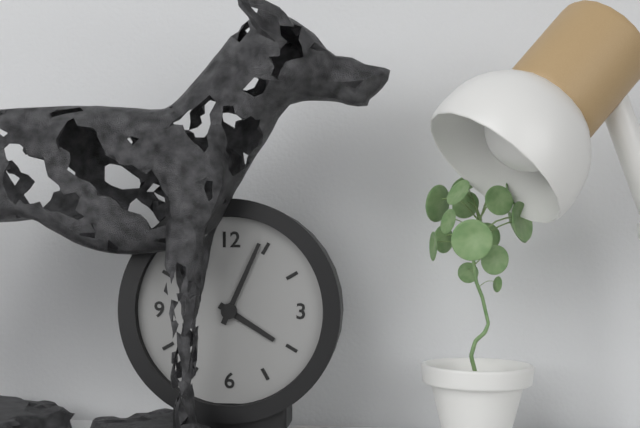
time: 4:04
